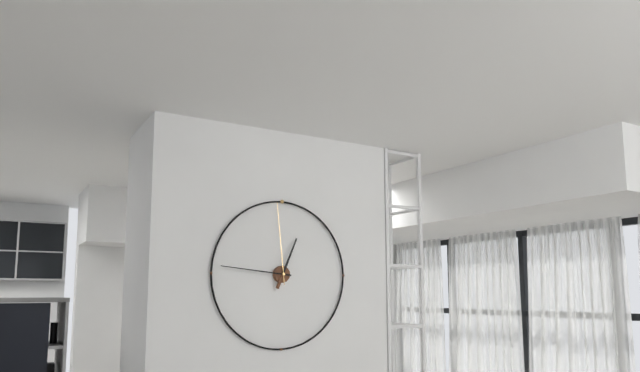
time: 12:46:59
